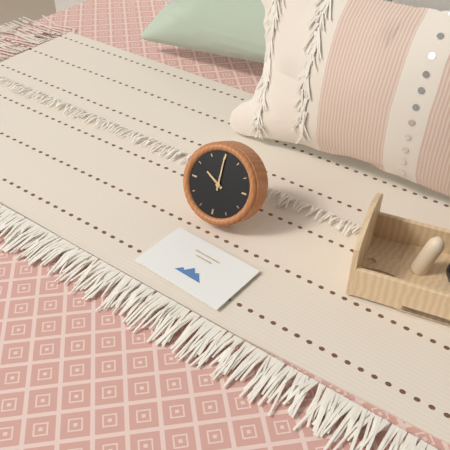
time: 10:00
